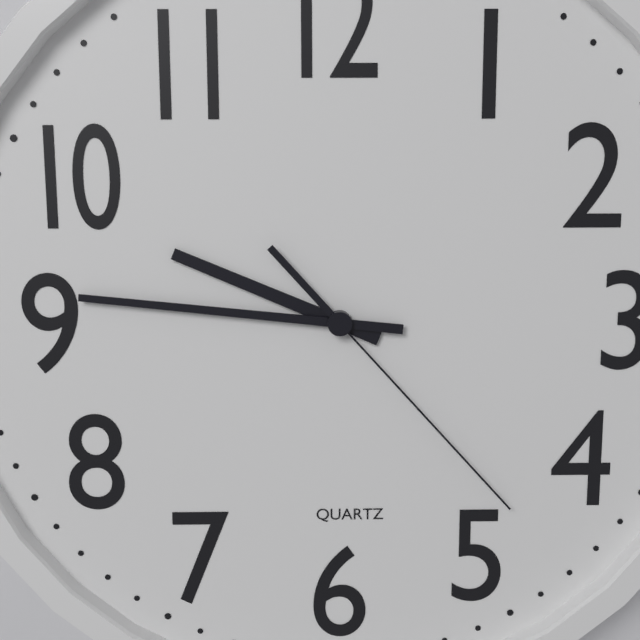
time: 9:46:23
